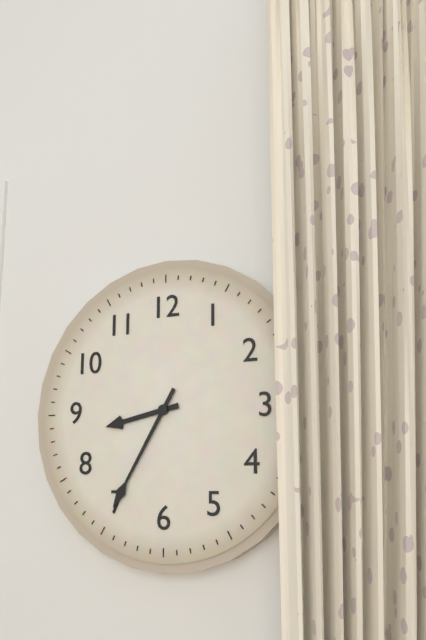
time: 8:35
